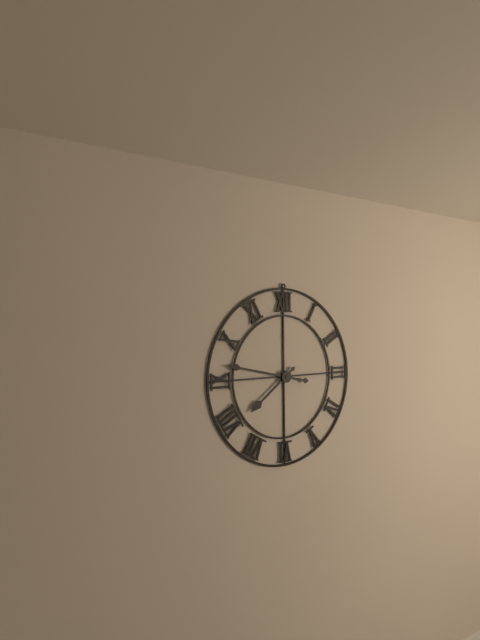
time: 7:47
